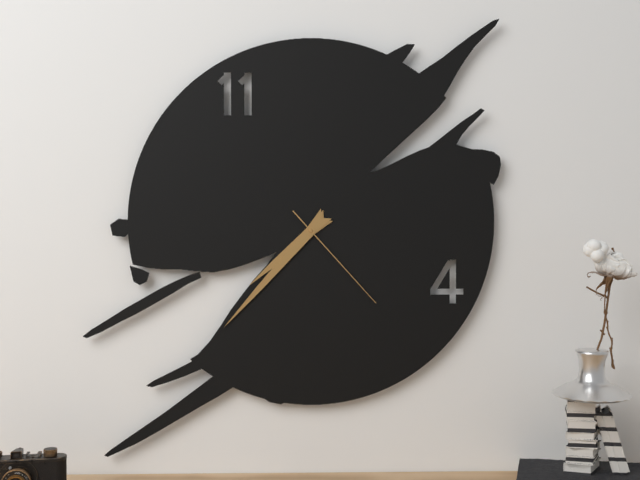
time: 7:37:23
